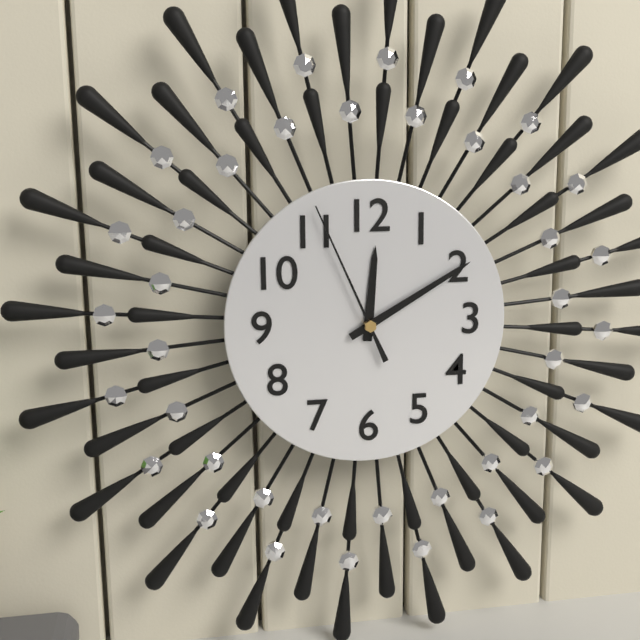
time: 12:10:56
